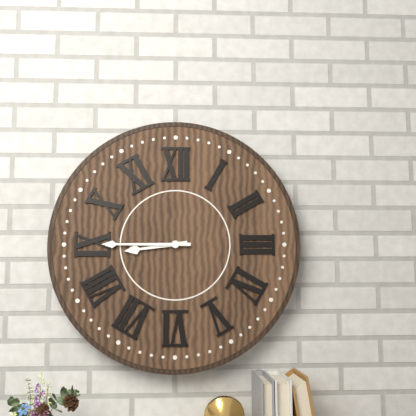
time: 8:45
